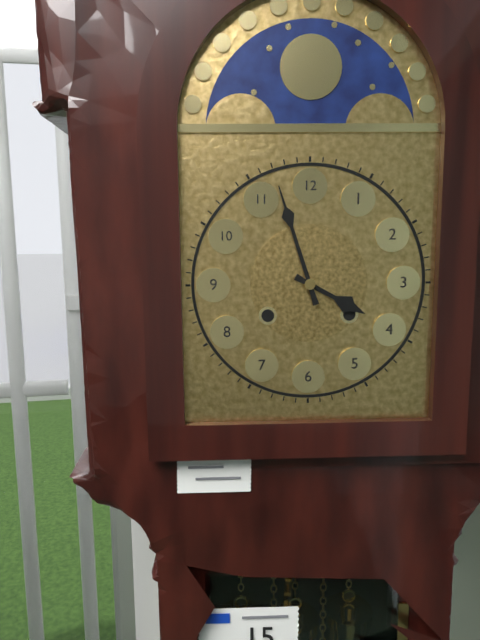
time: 3:57
